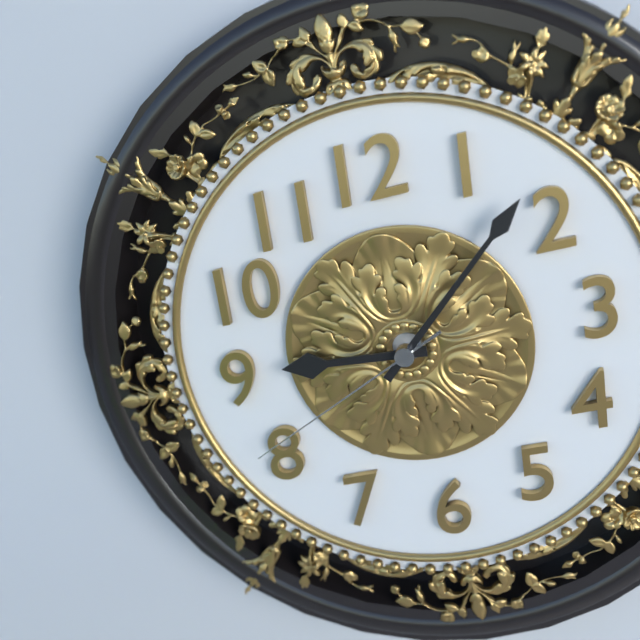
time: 9:08:41
